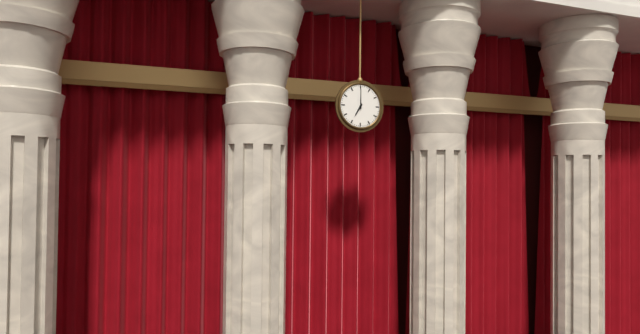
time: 7:00
